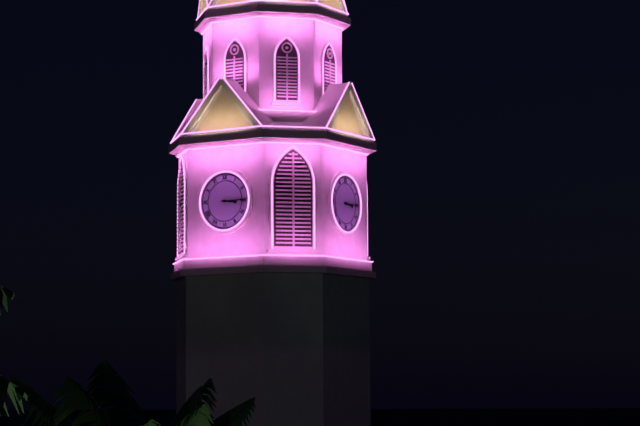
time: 3:15
